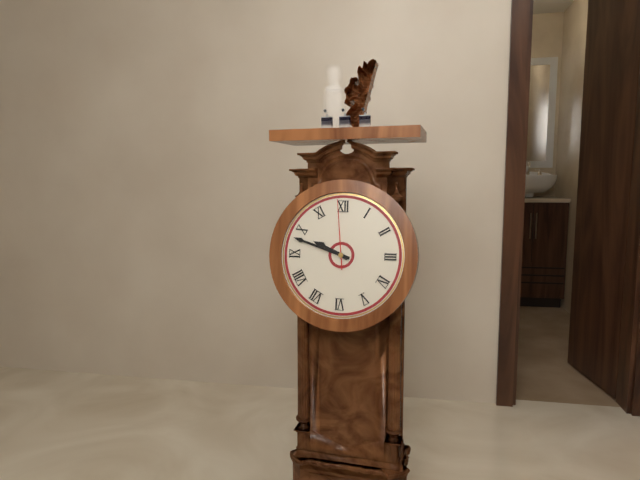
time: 9:48:59
